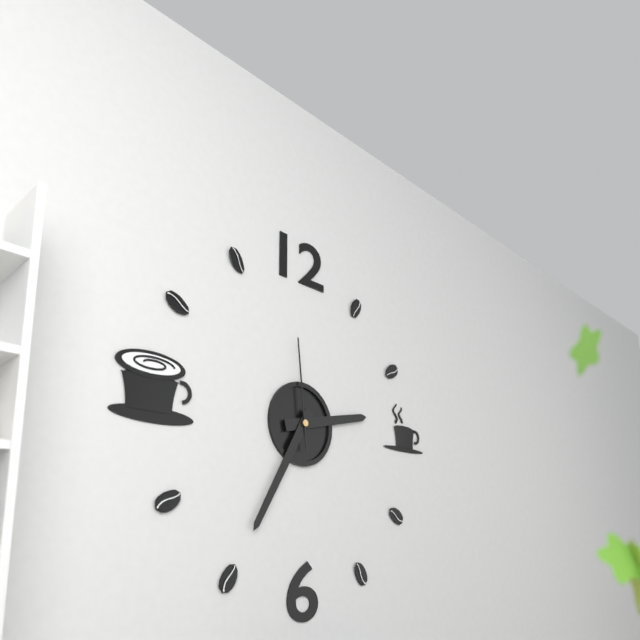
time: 2:35:59
